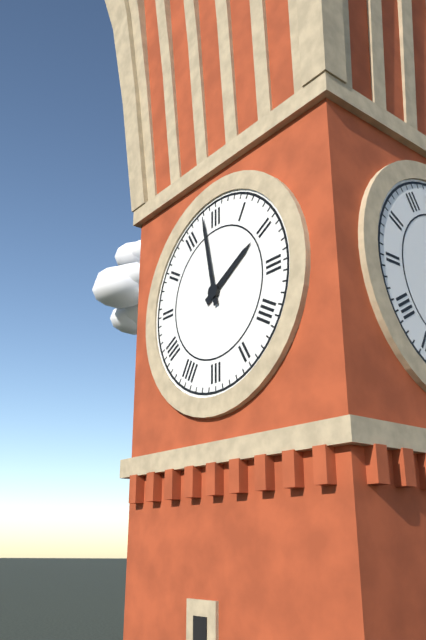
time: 1:58
